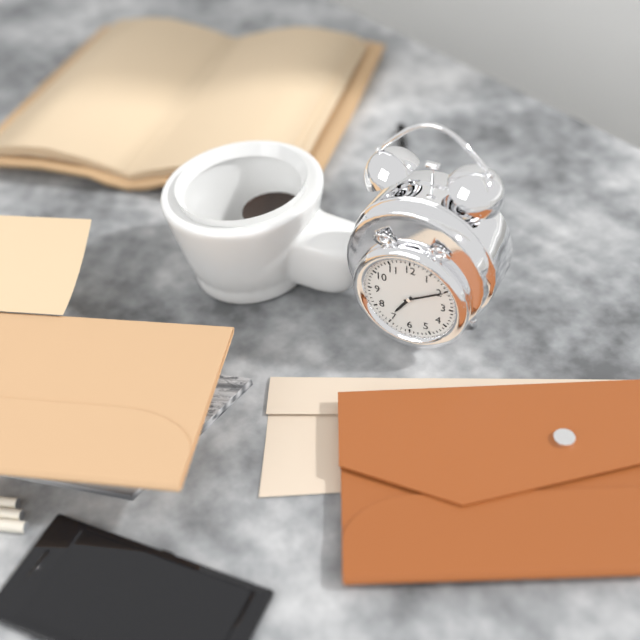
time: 7:10
